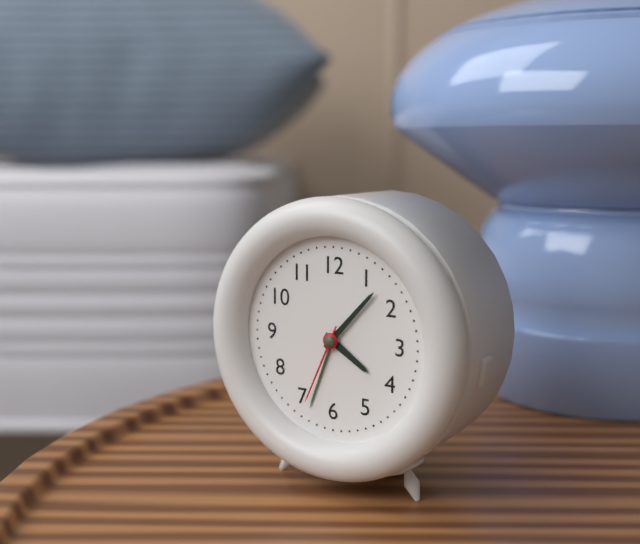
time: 4:07:34
